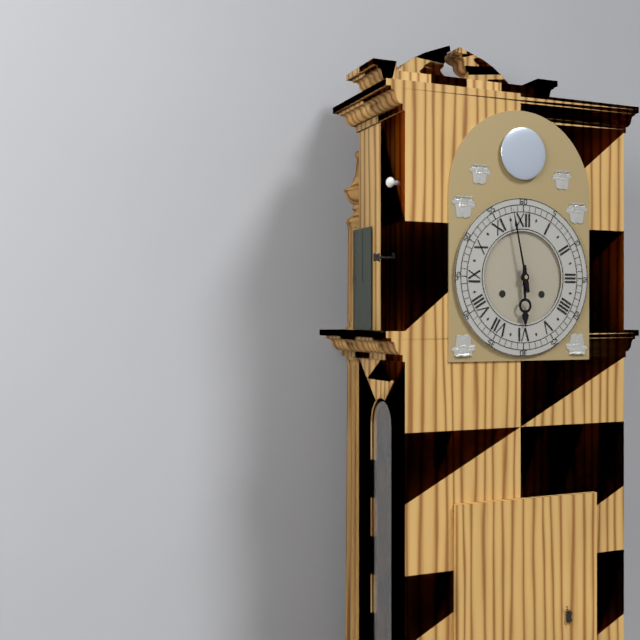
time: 5:58
